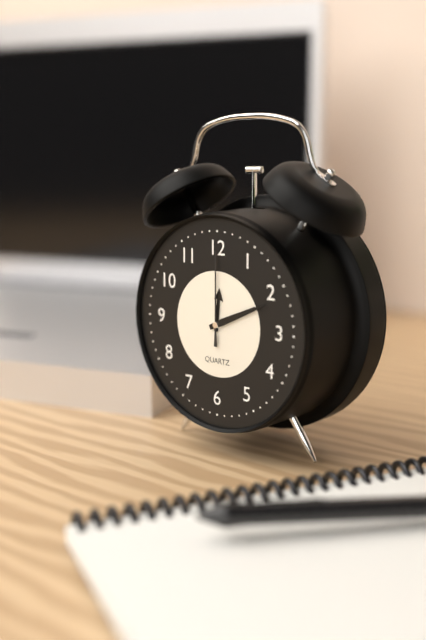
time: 12:11:00
